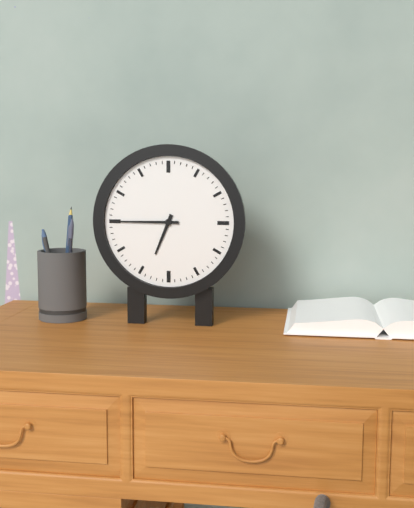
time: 6:45
